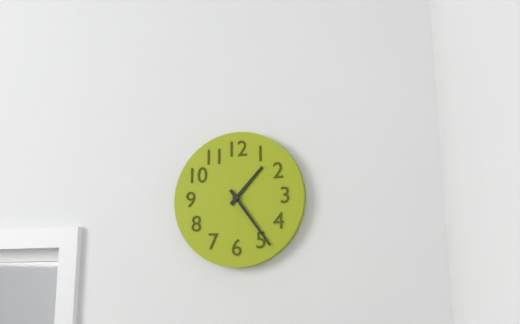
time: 1:24
